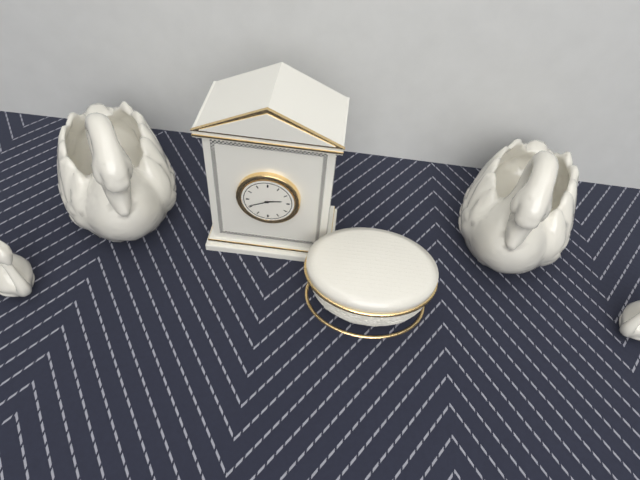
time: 2:41
